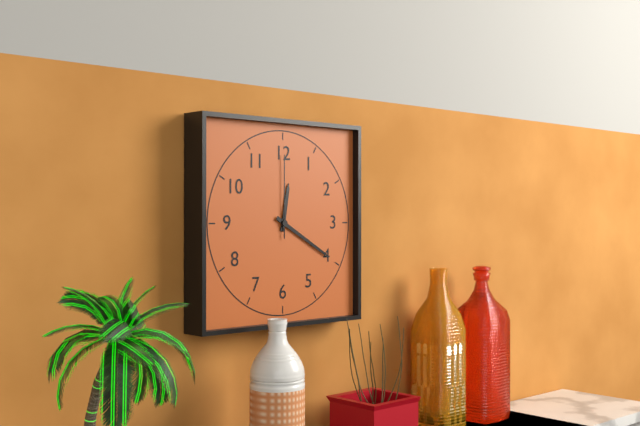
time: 12:20:00
